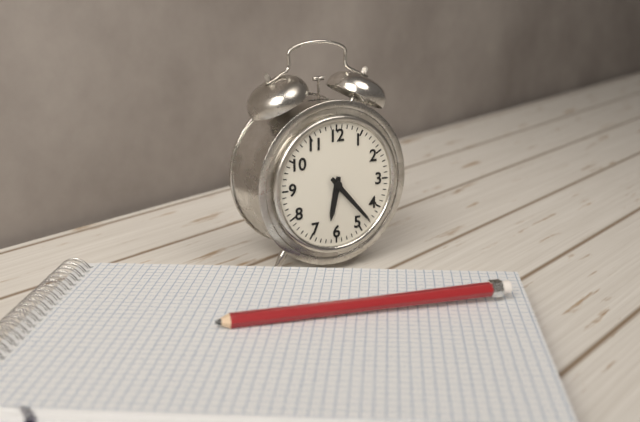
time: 6:23
